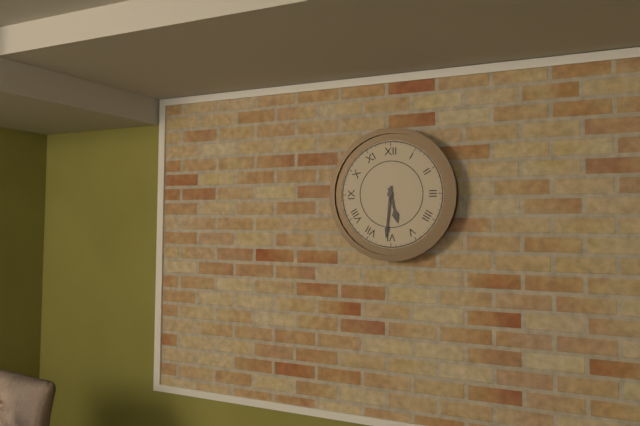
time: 5:31
